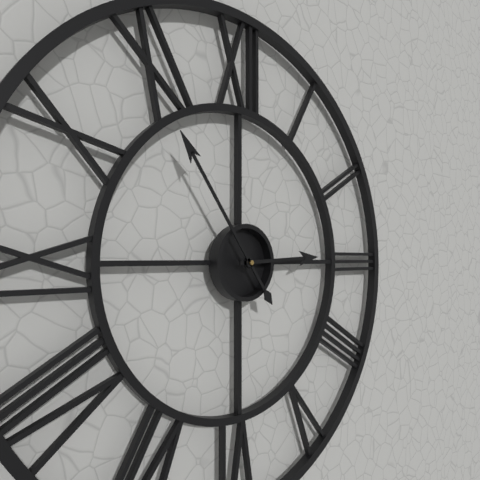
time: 2:54
